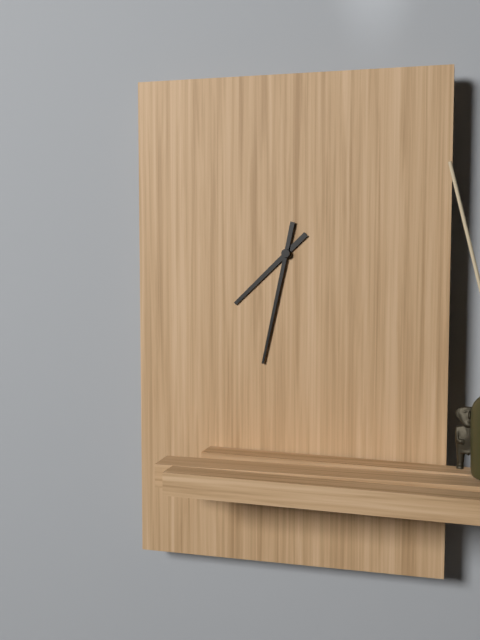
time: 7:32
